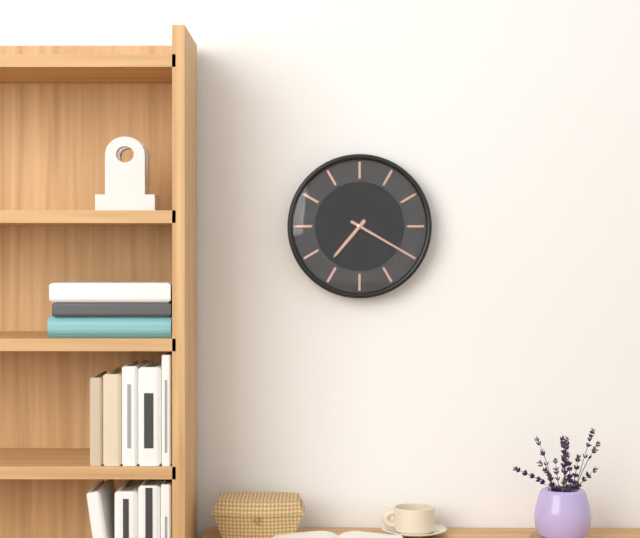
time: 7:20
